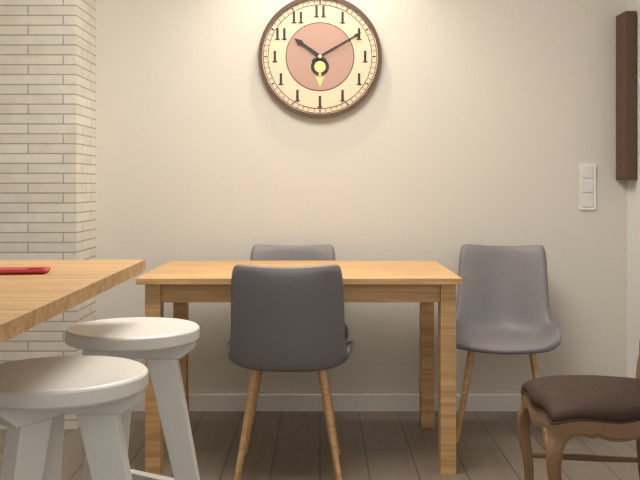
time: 10:10
